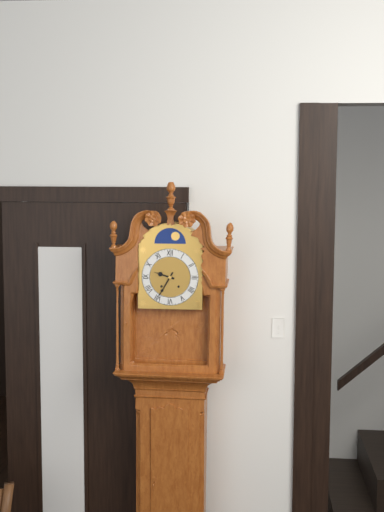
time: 9:35
